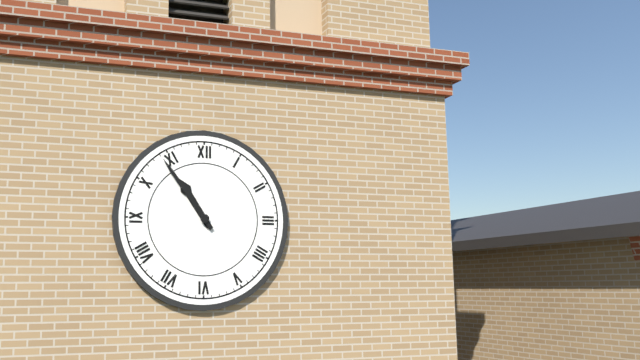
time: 10:54
